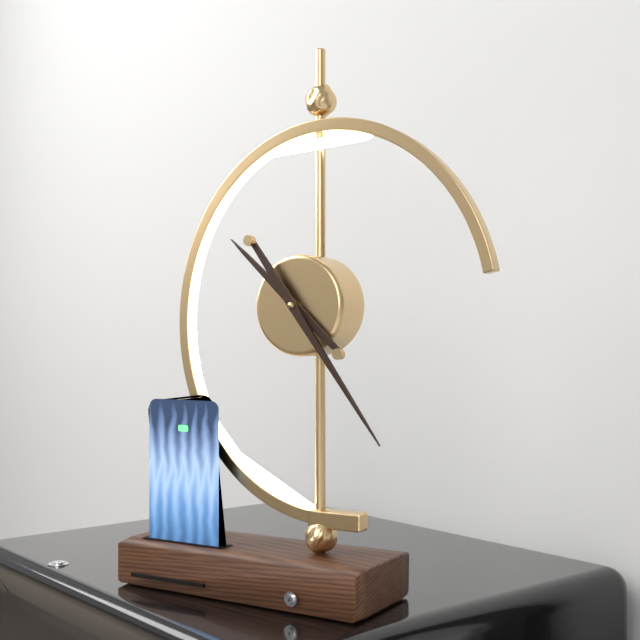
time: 10:24
